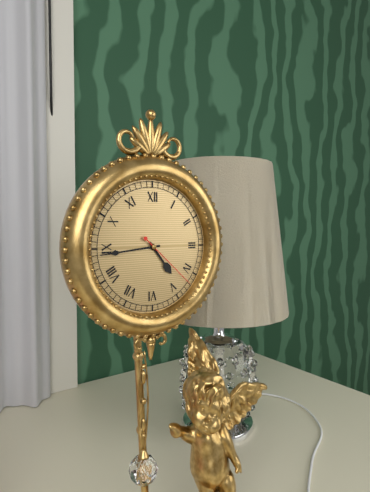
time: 4:44:22
